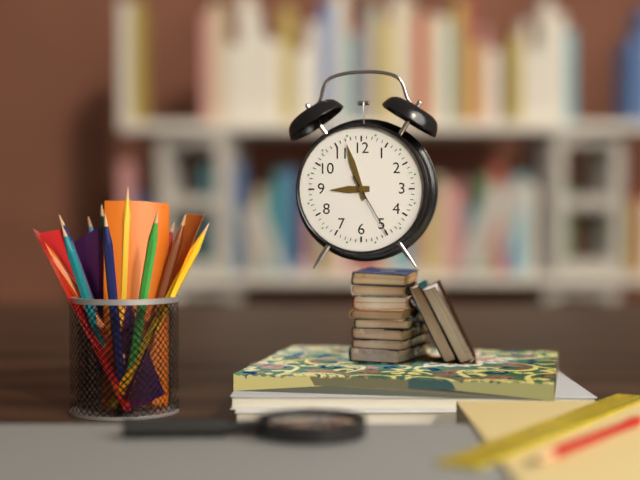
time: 8:57:25
